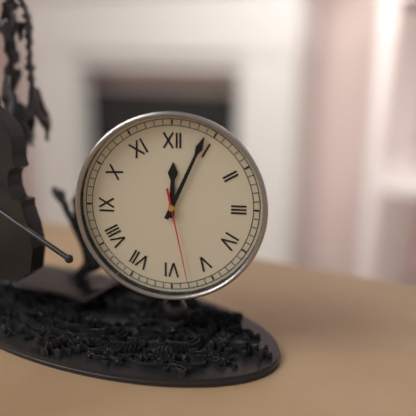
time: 12:04:28
